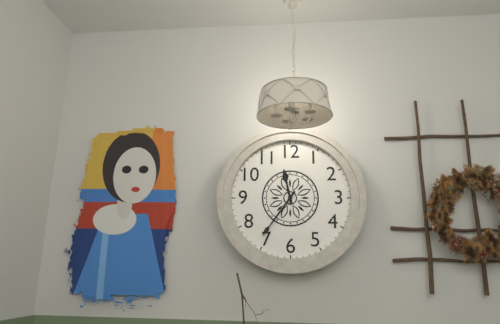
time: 11:36
